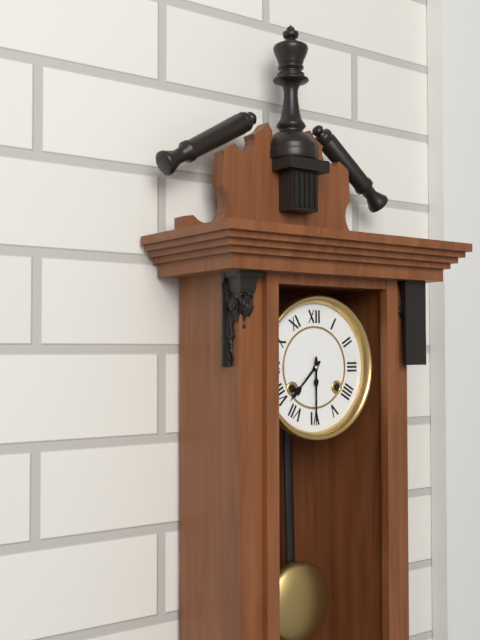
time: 7:30
